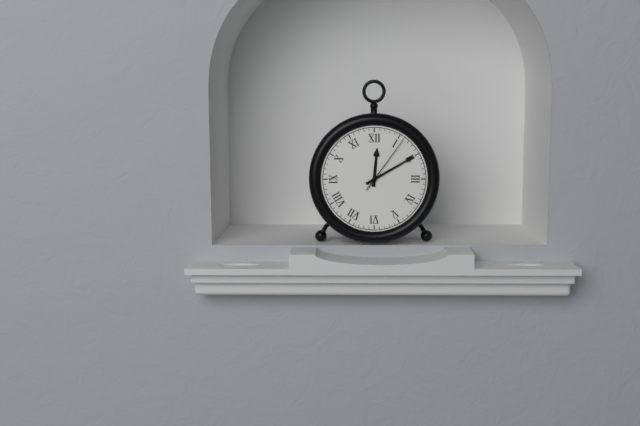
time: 12:10:06
